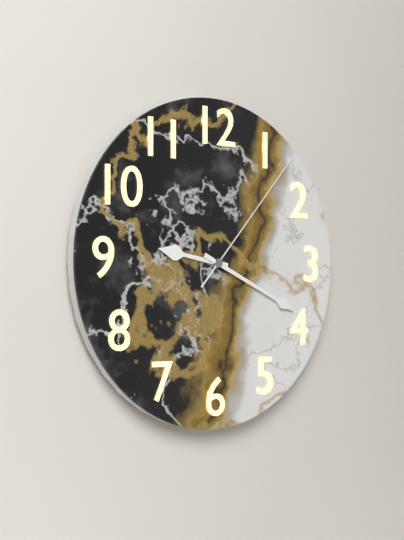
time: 9:19:07
